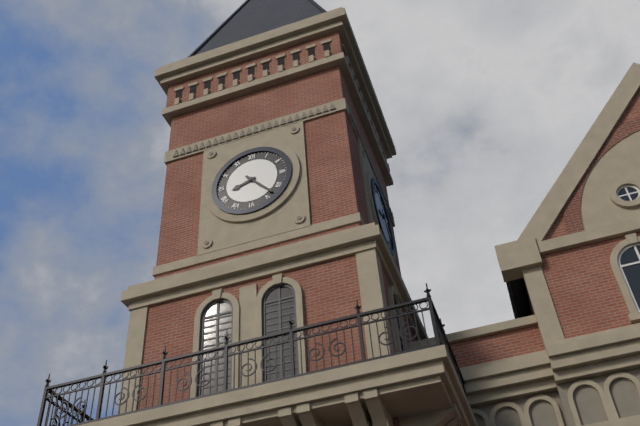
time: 8:23
